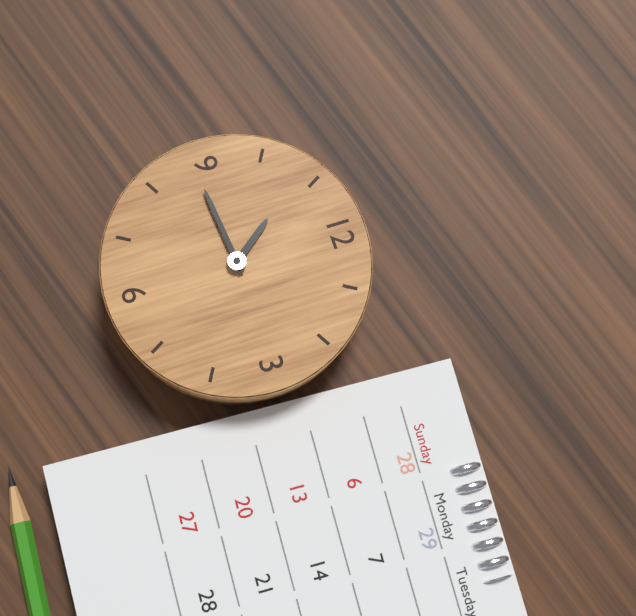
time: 10:44
